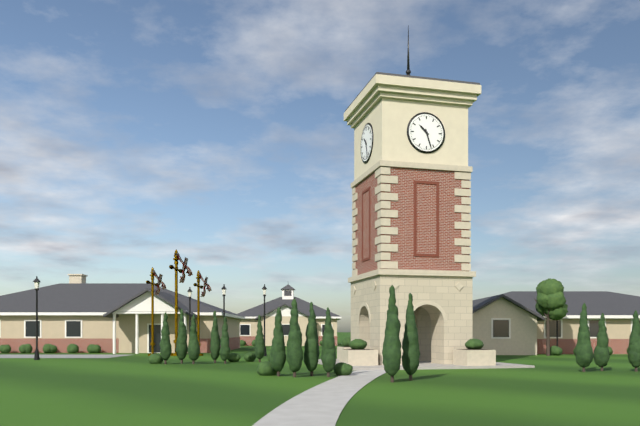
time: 10:27
